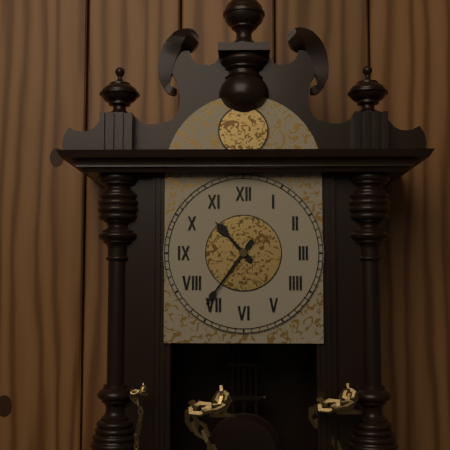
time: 10:36
